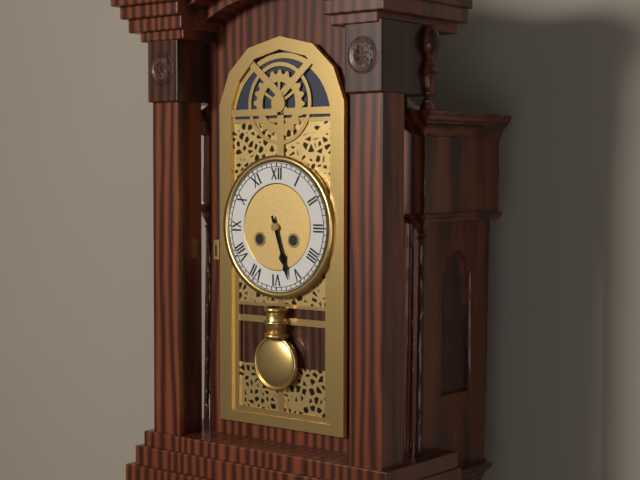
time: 5:27
